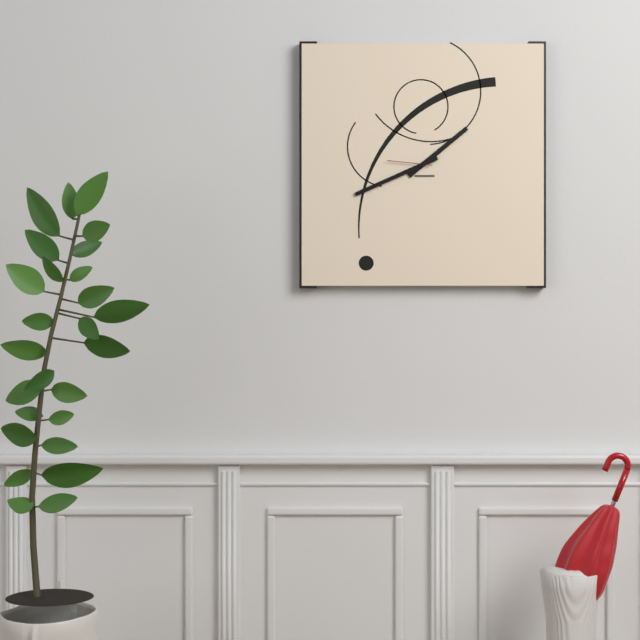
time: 1:41
